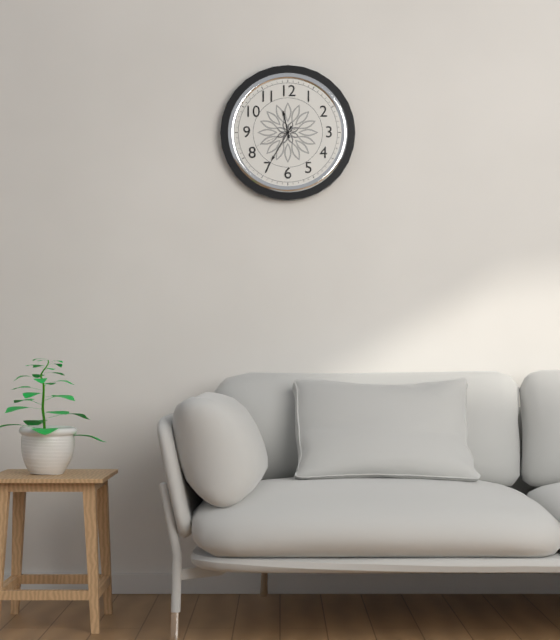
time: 11:35
